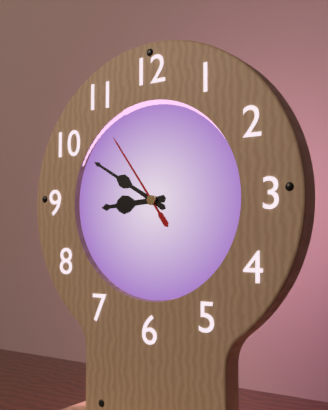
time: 8:50:54
